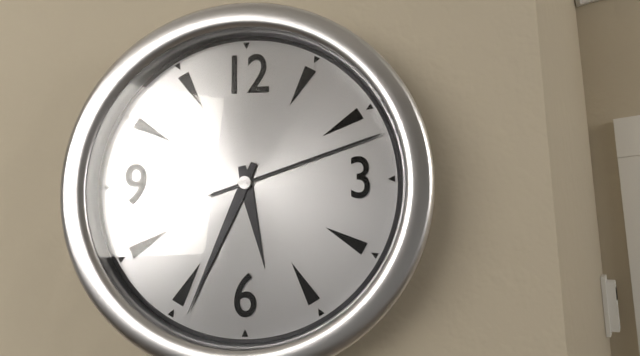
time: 5:34:12
